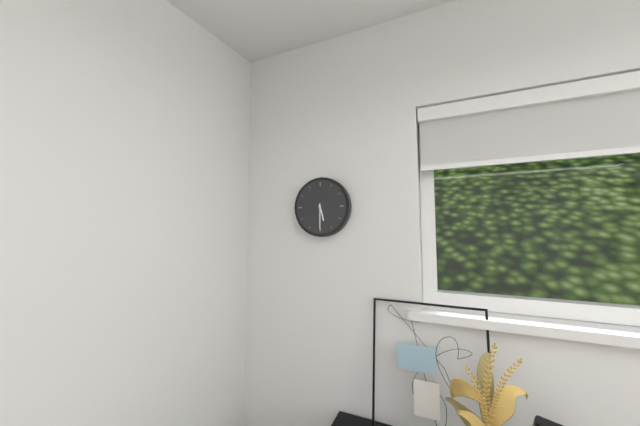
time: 5:30
